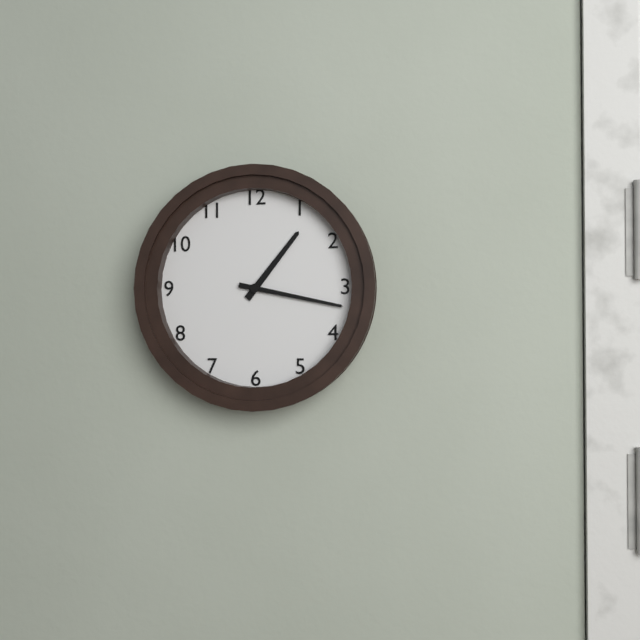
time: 1:17
